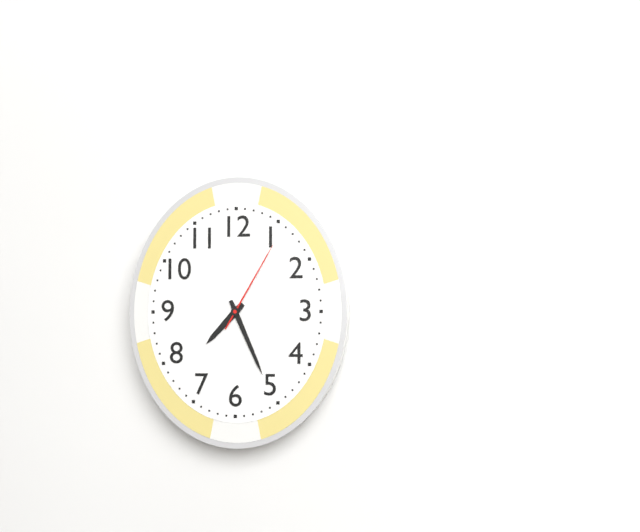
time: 7:26:05
